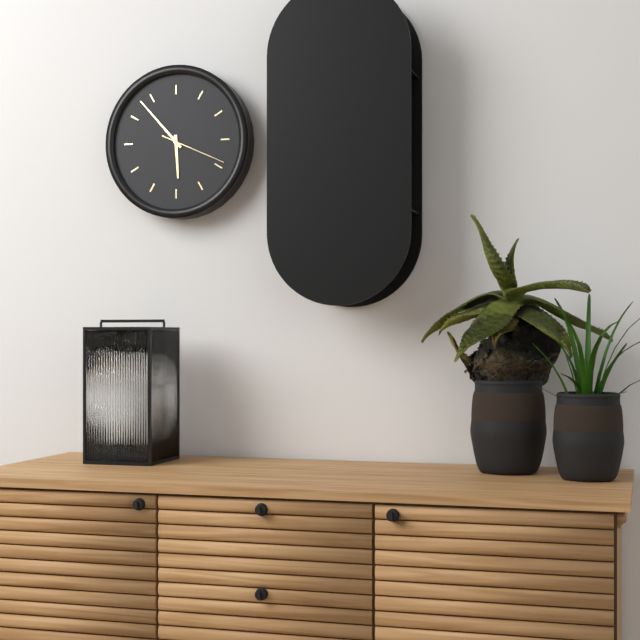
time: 5:53:19
